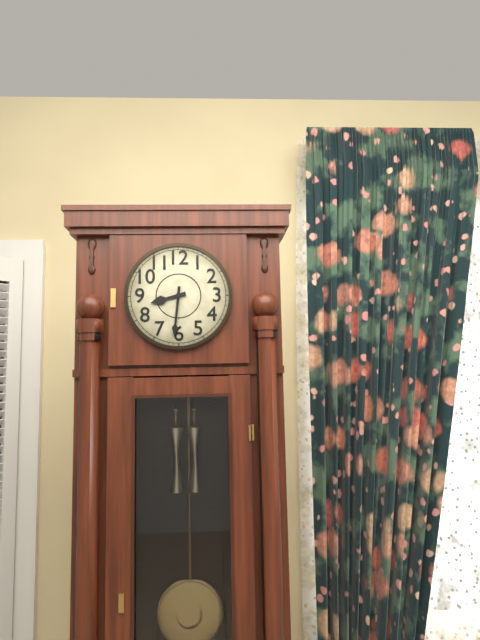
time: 8:31
